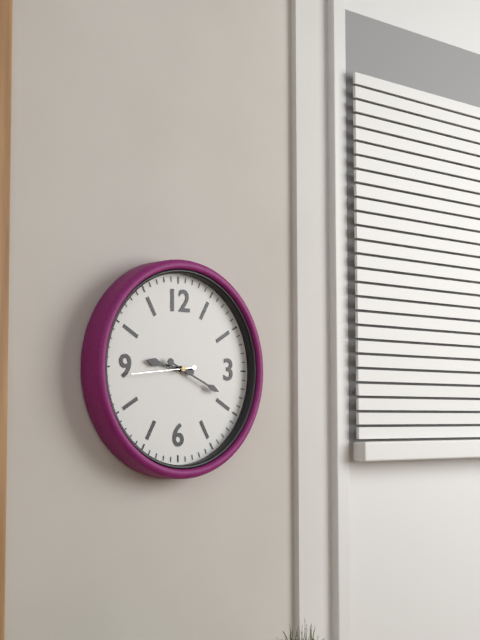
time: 9:19
